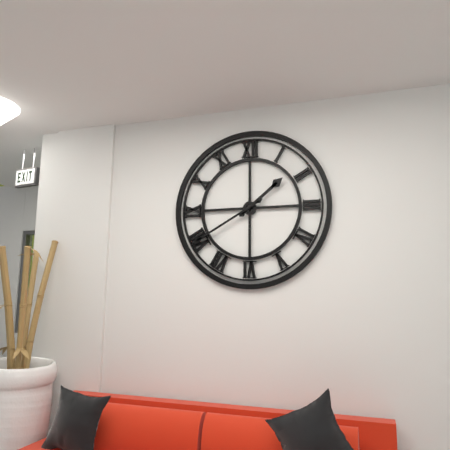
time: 1:40
